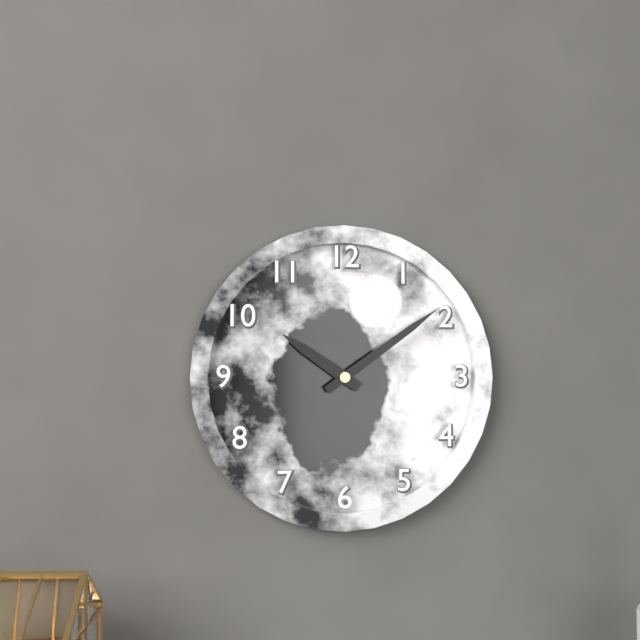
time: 10:09
